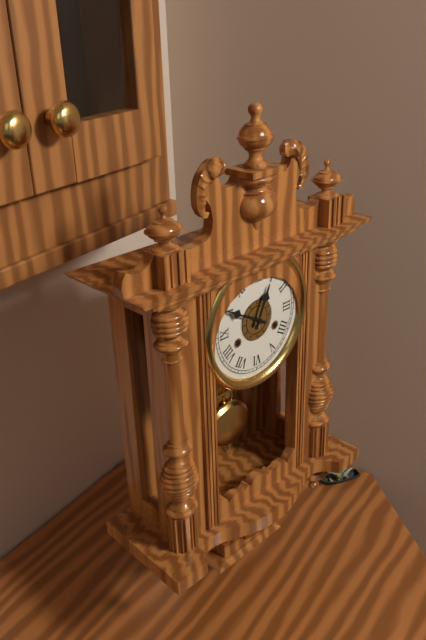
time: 12:50
